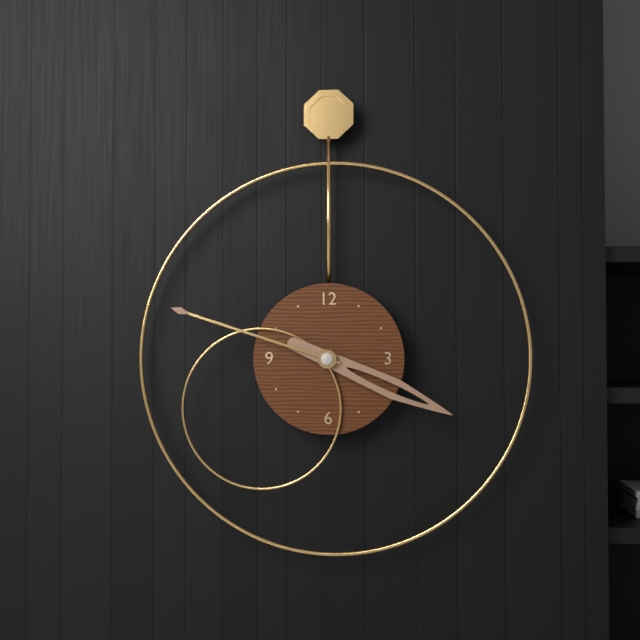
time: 3:48
